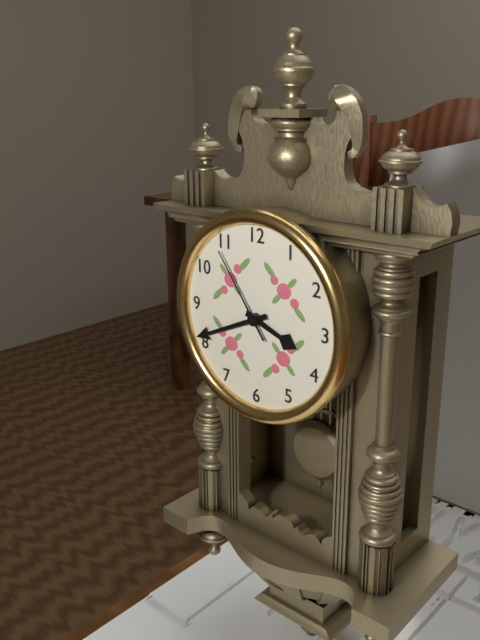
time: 3:41:54
